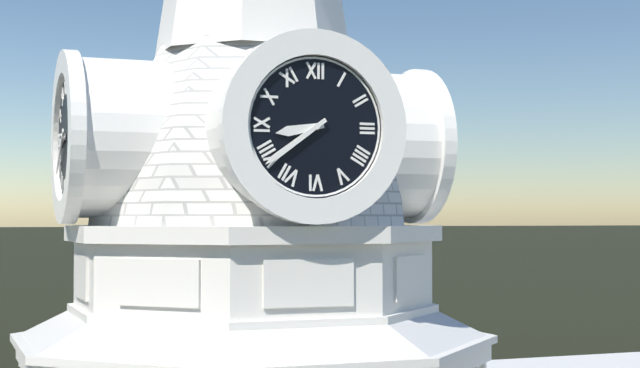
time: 8:39
